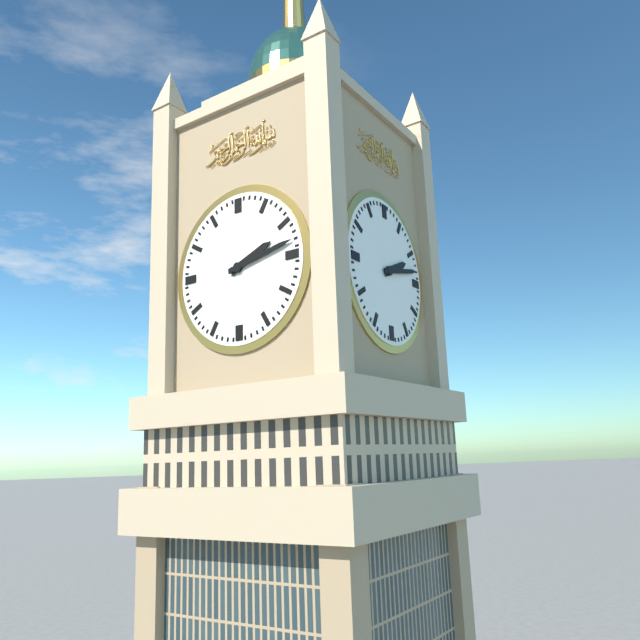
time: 2:13
